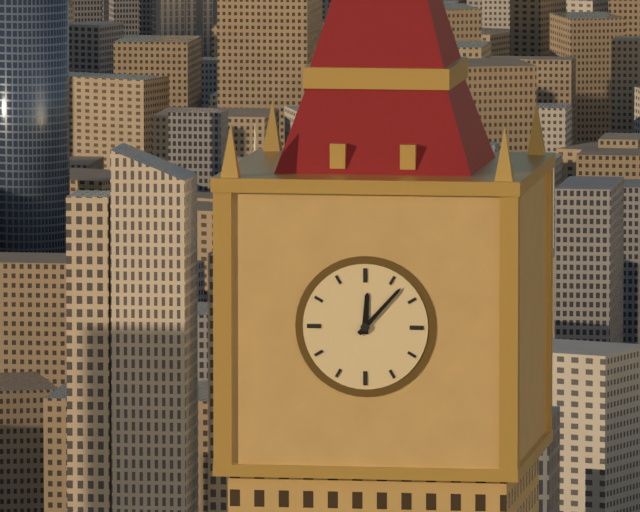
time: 12:07
